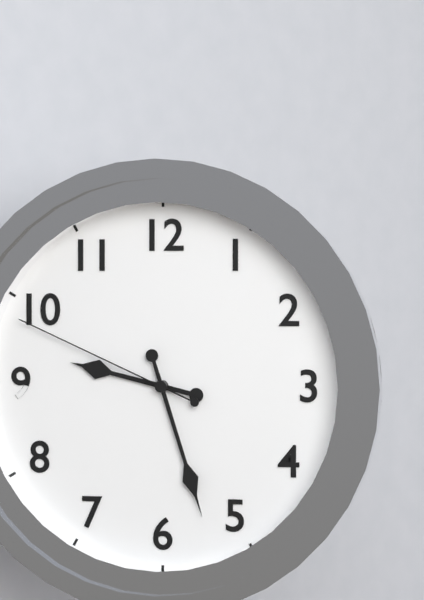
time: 9:27:49
